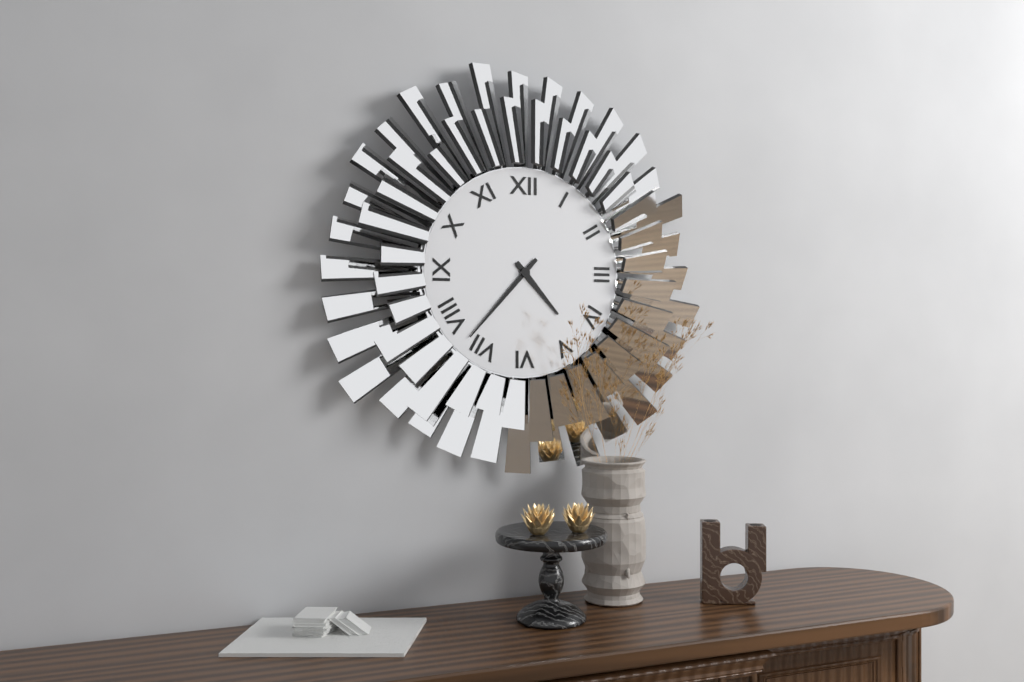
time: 4:37
